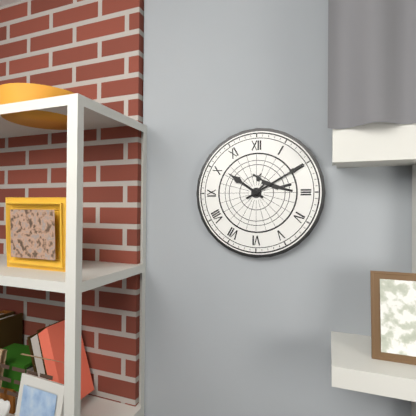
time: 10:10
